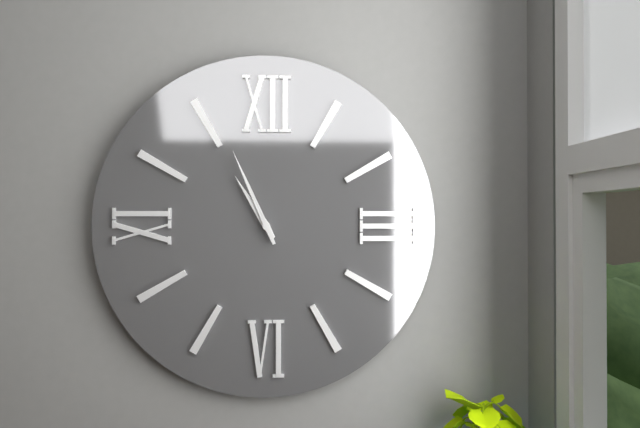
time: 10:56
